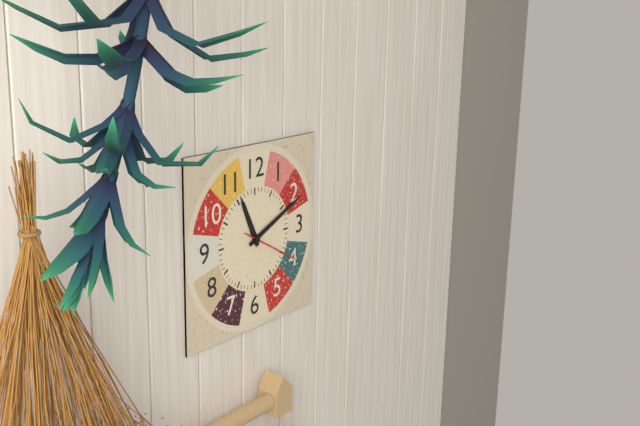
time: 11:11:20
